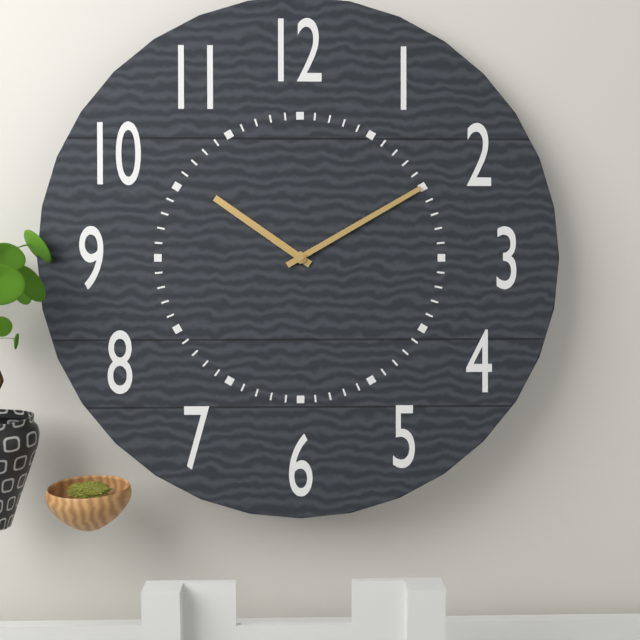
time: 10:10
